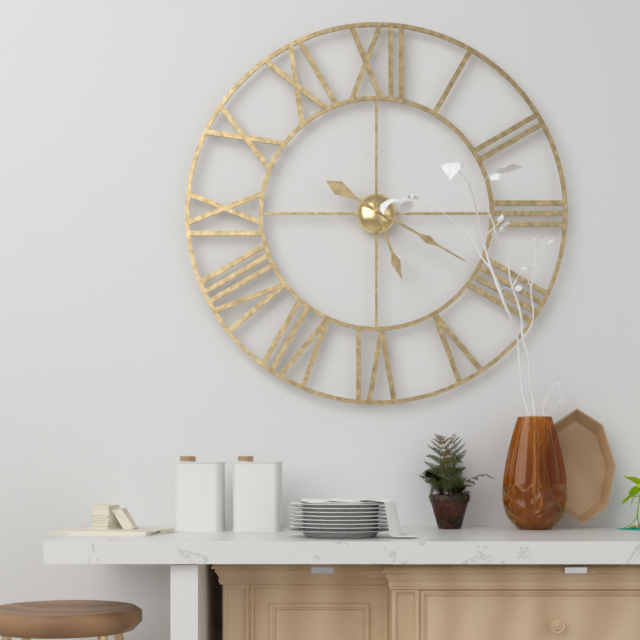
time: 5:20
